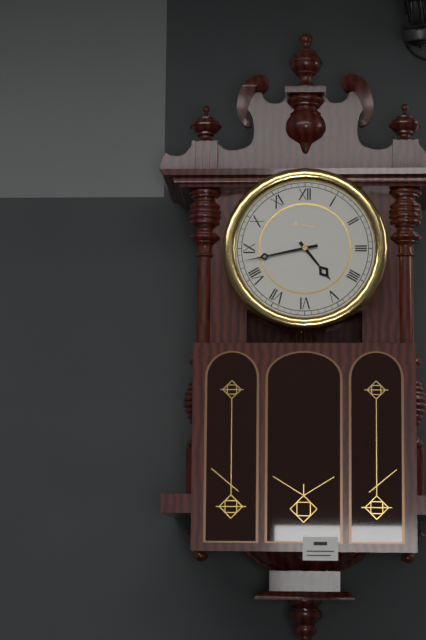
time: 4:43
